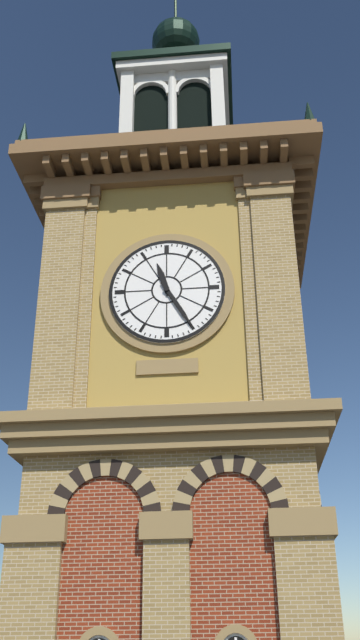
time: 11:25
